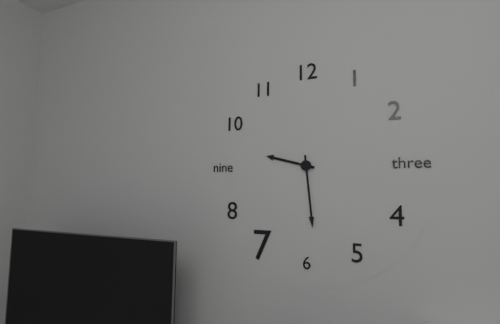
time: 9:29
